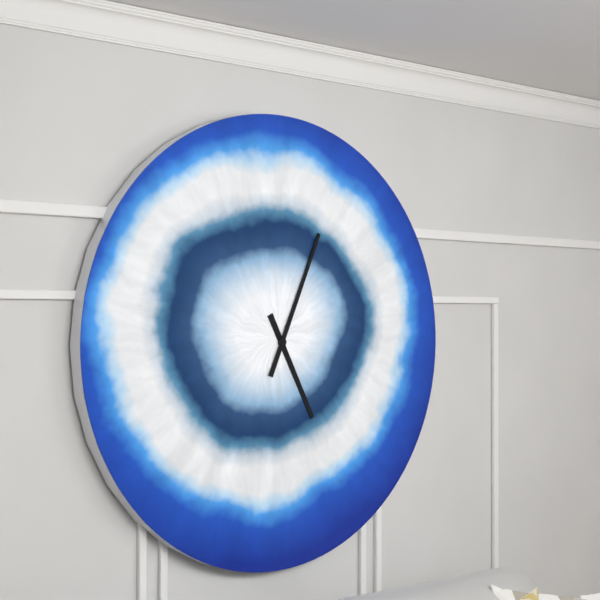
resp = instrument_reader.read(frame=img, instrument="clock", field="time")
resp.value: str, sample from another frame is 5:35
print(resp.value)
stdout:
5:04
